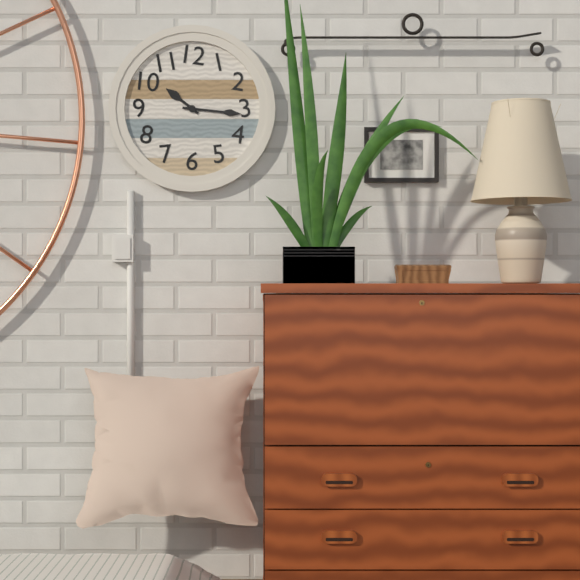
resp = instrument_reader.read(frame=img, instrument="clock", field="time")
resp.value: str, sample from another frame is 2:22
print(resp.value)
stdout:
10:16
